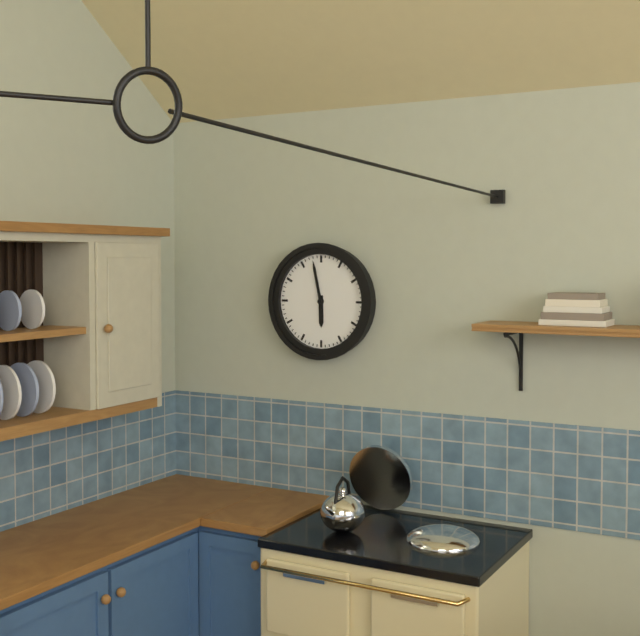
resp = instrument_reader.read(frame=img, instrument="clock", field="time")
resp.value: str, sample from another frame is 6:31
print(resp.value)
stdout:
5:58
